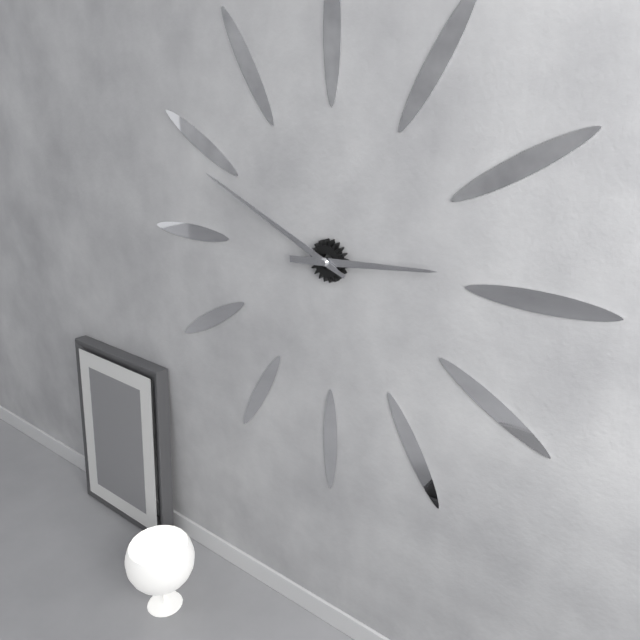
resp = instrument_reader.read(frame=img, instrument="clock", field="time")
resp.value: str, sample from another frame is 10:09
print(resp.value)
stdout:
2:49
